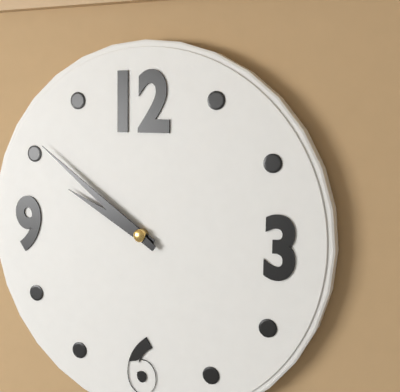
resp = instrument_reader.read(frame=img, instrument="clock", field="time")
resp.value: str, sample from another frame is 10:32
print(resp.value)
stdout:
9:51
